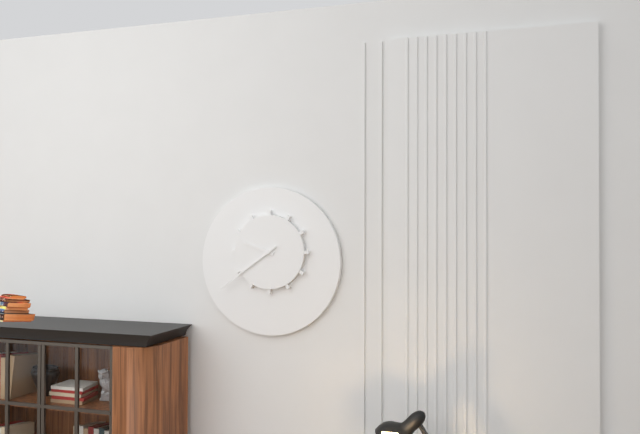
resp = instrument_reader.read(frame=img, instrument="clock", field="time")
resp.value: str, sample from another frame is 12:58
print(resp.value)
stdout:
9:39
